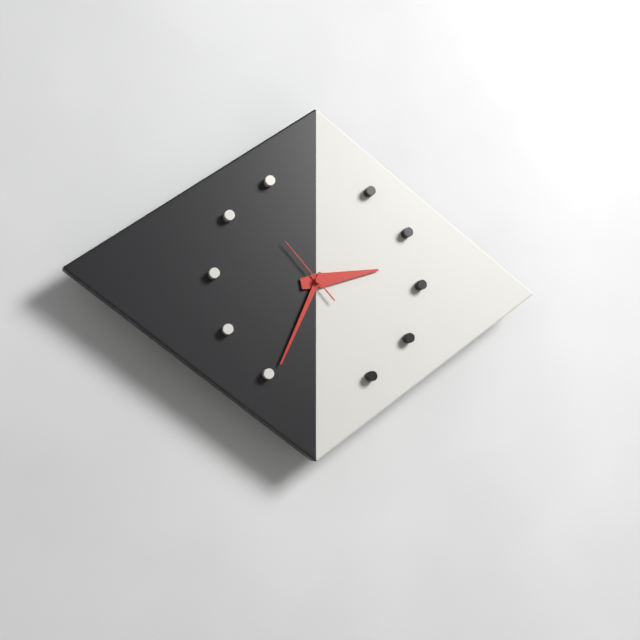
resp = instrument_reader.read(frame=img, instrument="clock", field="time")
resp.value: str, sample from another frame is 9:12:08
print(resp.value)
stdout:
2:34:53
